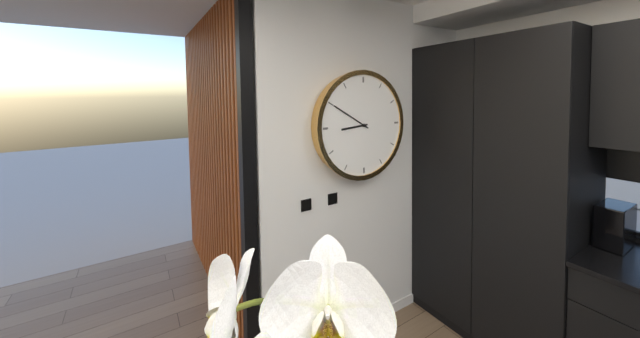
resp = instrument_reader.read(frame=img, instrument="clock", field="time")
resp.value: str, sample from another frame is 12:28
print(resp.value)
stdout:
8:50
